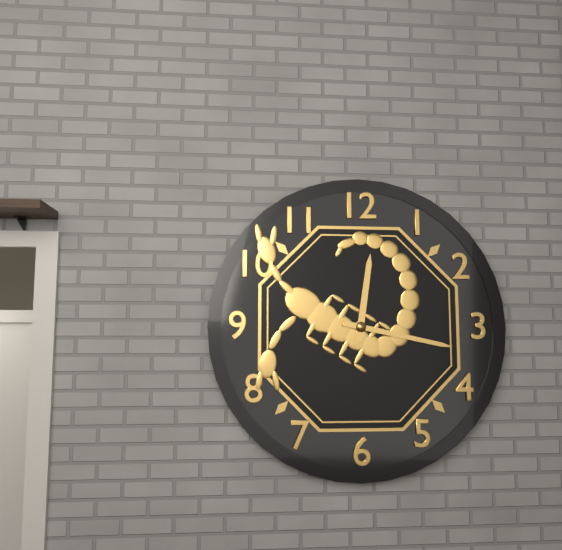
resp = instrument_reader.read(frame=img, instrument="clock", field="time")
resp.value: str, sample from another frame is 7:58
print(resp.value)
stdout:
12:17
